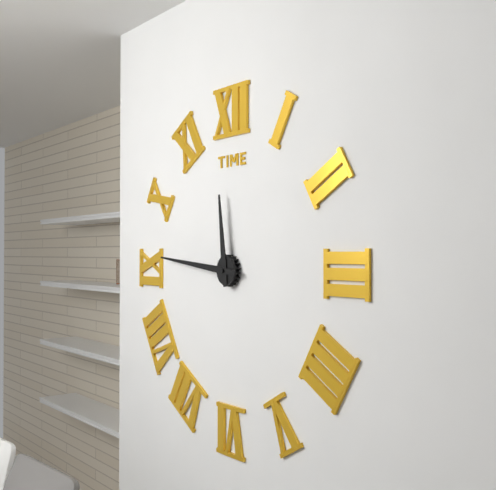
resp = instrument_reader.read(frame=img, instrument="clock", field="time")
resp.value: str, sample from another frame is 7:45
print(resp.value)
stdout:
11:46
